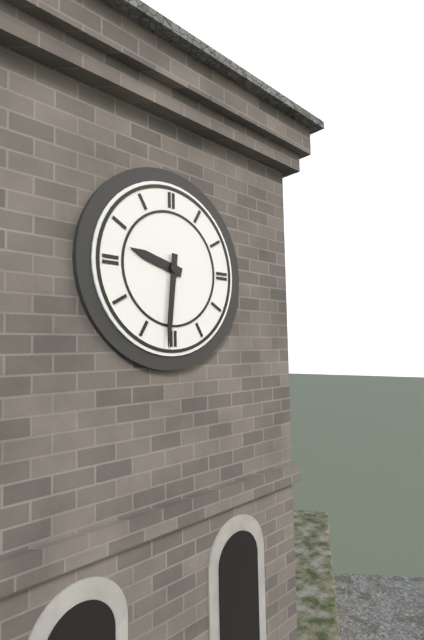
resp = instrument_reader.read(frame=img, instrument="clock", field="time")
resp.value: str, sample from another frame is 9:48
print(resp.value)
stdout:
9:31
